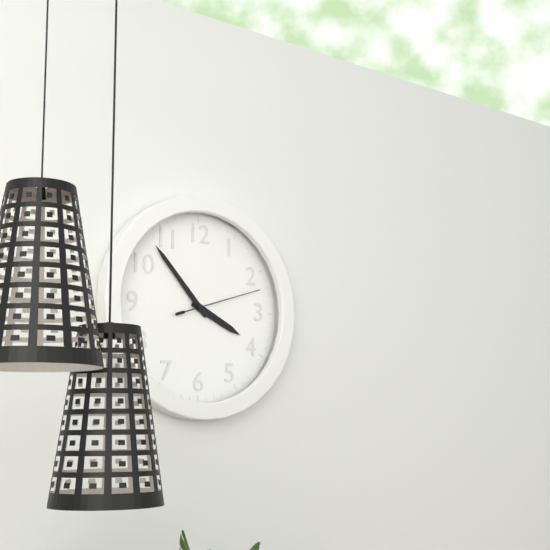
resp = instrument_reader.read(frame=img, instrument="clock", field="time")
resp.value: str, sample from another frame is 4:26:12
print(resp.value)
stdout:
3:53:12
